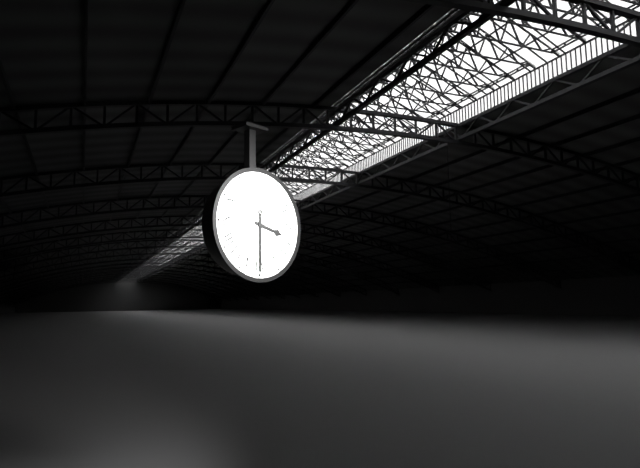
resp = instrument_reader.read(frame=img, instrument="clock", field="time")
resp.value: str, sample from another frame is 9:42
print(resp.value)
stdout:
3:30
